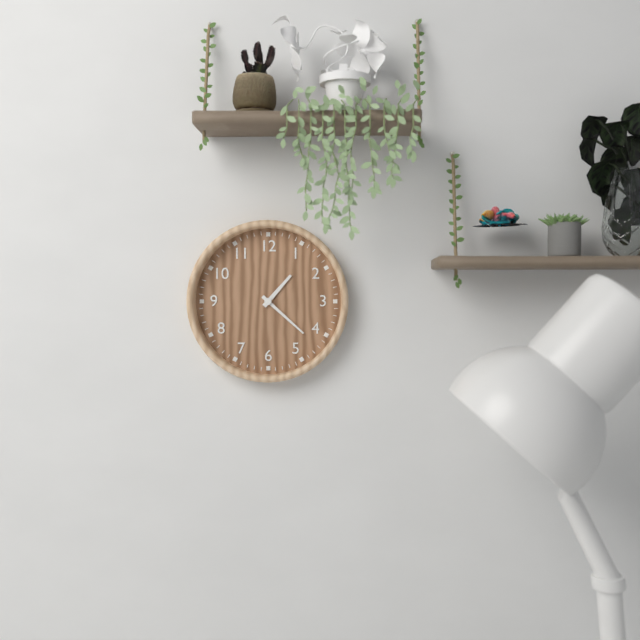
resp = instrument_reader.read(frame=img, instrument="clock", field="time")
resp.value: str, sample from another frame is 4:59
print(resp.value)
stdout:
1:22
